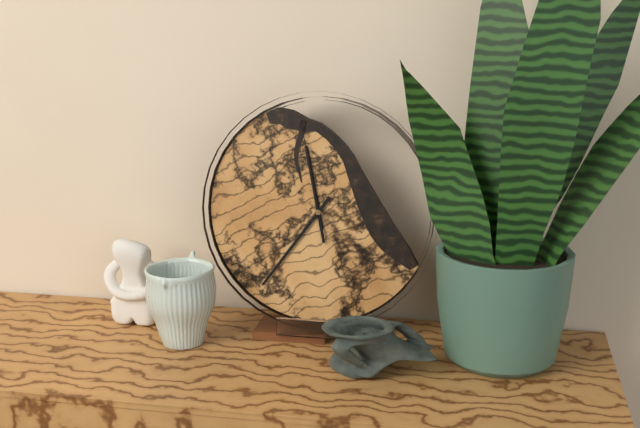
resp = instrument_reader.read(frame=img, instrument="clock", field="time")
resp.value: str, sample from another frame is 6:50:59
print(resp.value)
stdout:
11:36:58
